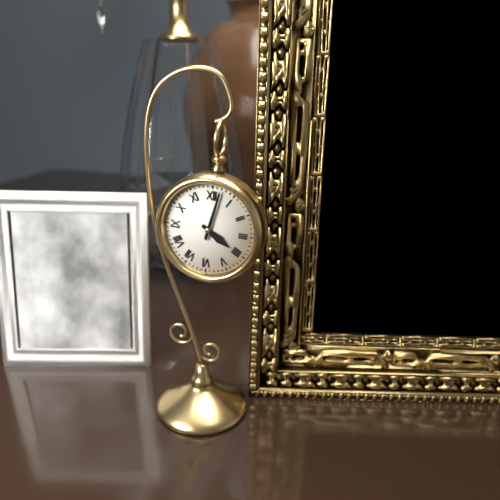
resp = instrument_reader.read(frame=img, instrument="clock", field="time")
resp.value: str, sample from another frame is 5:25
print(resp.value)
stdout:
4:02
